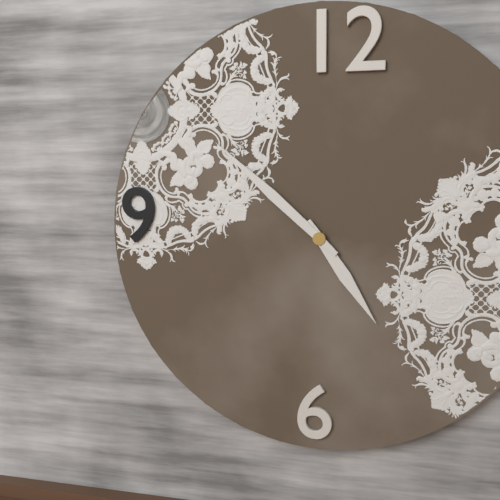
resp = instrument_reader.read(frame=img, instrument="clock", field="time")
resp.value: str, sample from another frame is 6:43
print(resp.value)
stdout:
4:52
